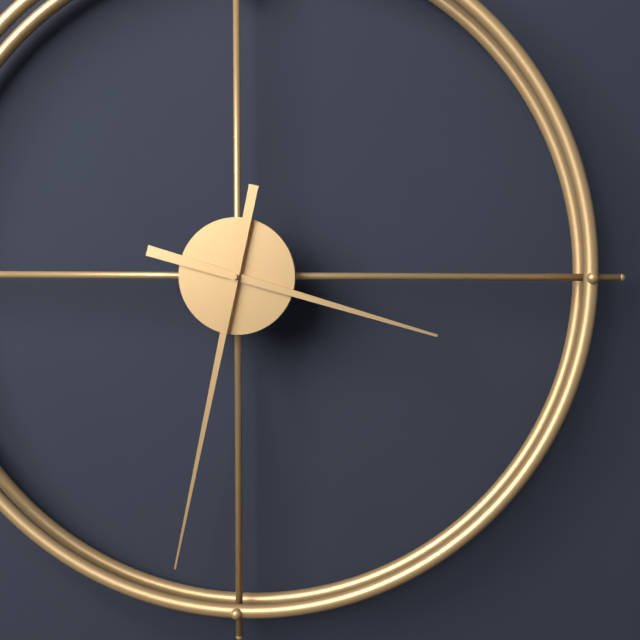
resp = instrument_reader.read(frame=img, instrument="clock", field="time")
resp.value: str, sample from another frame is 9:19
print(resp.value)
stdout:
3:32
